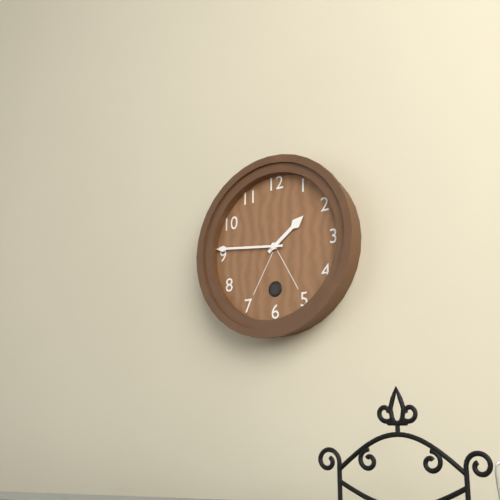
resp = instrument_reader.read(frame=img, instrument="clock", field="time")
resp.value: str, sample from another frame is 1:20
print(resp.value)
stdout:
1:46
